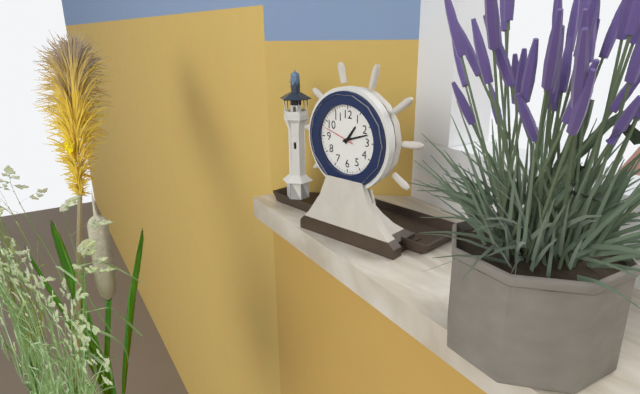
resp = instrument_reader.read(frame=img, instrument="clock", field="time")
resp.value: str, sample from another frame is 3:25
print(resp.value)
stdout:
1:12
